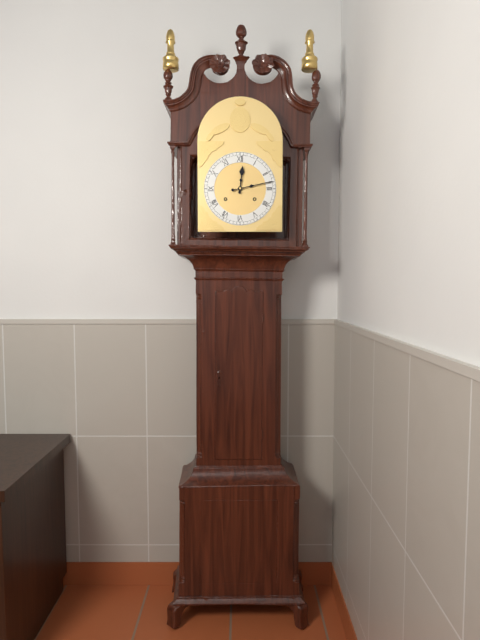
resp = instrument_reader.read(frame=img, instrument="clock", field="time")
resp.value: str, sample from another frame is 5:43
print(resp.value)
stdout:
12:13
